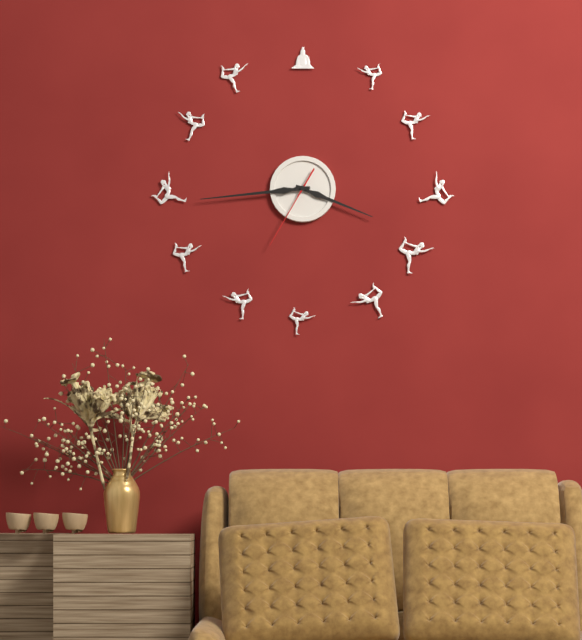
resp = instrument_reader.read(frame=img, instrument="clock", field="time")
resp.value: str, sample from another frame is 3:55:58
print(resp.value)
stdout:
3:44:35
